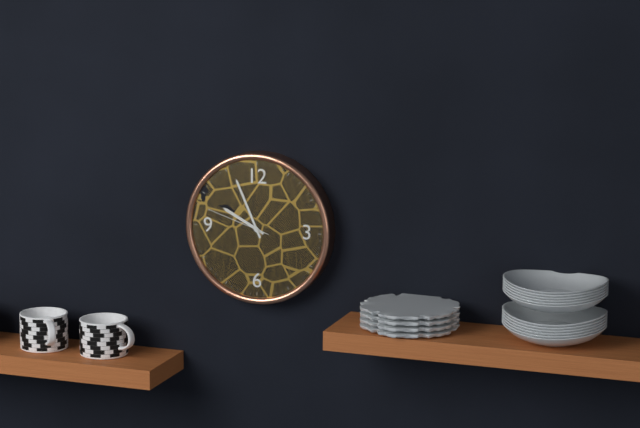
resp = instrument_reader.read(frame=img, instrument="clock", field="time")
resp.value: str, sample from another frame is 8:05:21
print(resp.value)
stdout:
9:56:48
